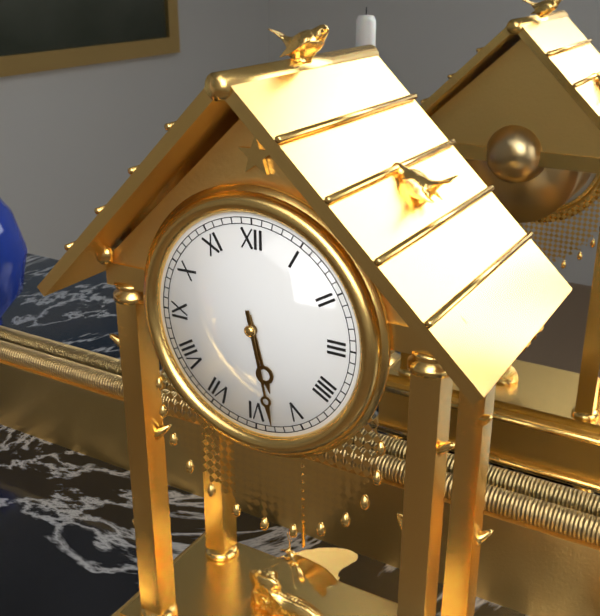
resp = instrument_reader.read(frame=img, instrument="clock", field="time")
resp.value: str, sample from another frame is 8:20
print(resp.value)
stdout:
5:28
